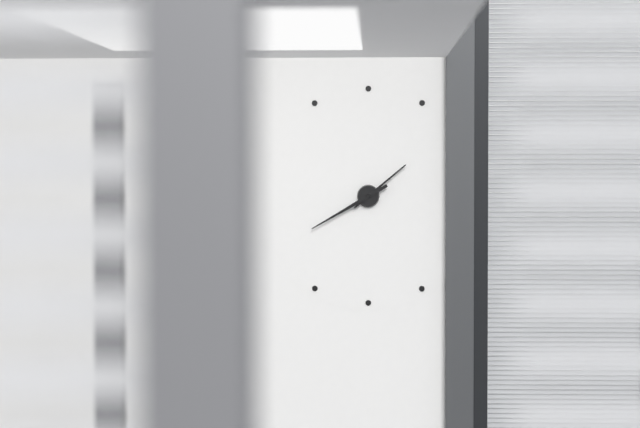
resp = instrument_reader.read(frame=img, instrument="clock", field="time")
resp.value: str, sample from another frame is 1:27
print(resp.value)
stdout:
1:40
